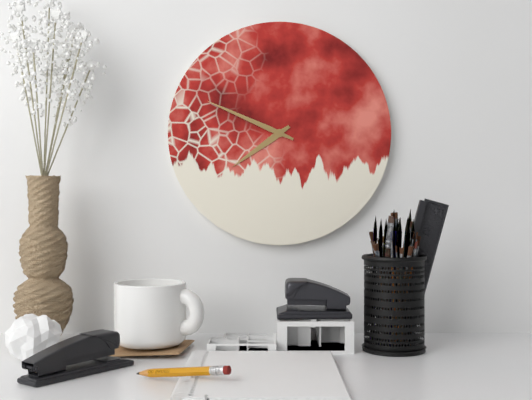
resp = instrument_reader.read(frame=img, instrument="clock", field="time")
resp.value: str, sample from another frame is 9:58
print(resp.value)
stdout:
7:49
